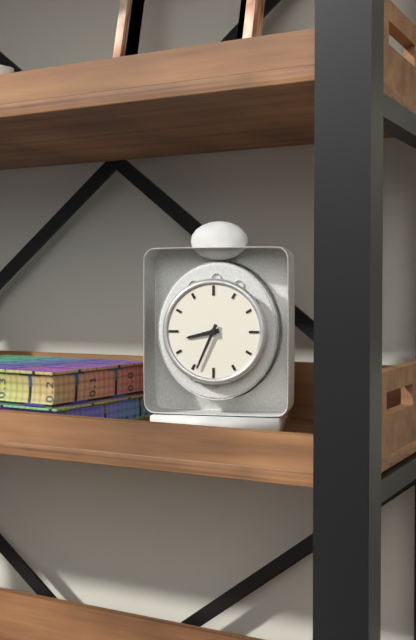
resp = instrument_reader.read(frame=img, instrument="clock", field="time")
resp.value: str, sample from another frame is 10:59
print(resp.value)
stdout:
8:34
